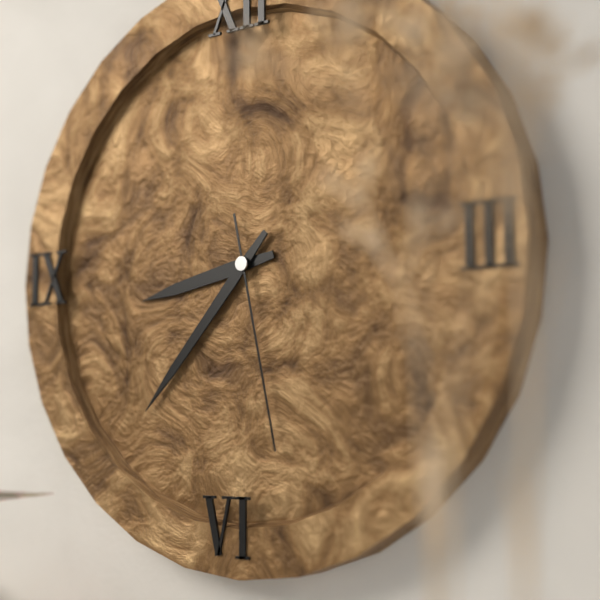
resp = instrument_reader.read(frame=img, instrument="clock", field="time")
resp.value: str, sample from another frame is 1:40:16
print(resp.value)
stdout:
8:37:28
